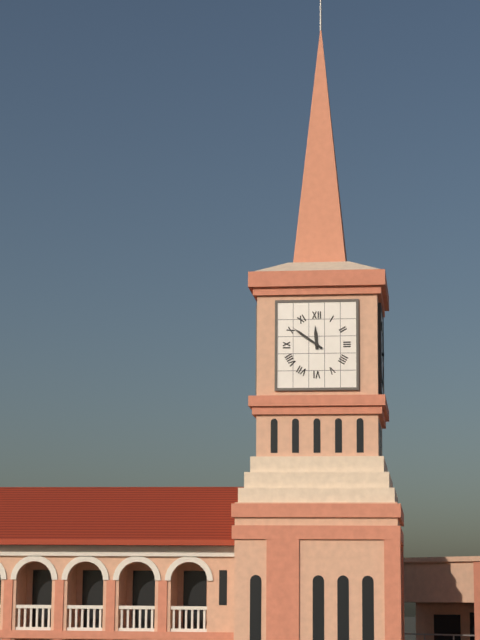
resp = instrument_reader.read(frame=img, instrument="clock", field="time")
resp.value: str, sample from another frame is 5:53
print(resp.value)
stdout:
11:51
